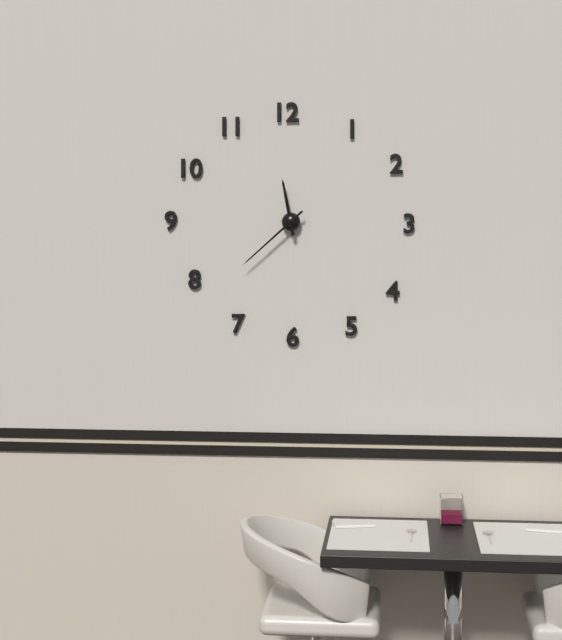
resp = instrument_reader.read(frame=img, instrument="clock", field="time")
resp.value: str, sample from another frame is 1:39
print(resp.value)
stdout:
11:38
